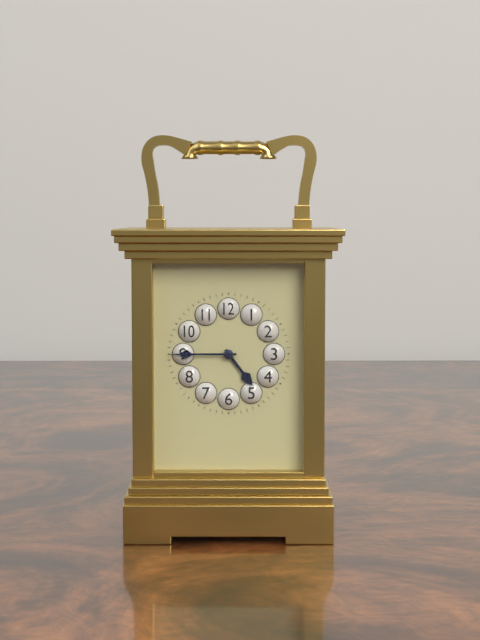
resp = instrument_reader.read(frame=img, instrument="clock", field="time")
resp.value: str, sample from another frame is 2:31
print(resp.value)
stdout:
4:45
